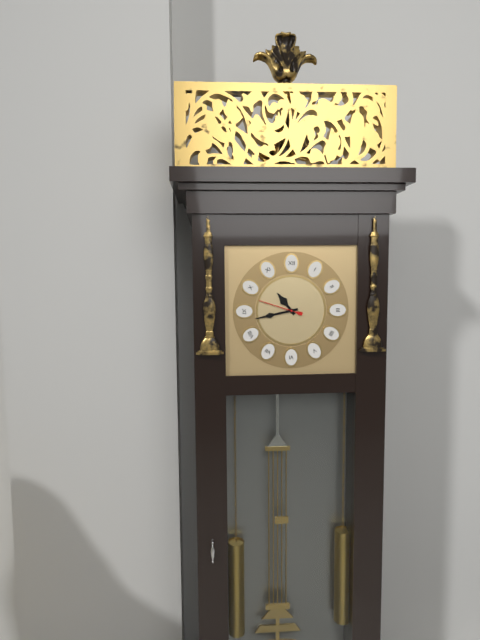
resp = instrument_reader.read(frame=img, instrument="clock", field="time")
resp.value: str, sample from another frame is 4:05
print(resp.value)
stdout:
10:43
